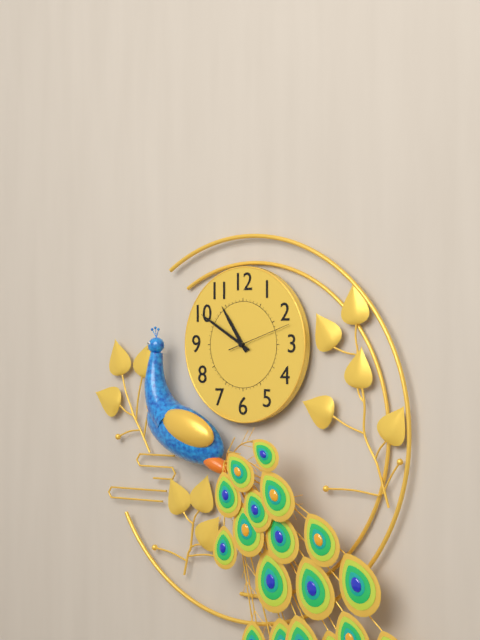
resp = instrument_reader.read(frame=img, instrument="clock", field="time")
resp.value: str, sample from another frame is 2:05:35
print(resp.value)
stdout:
10:50:12
